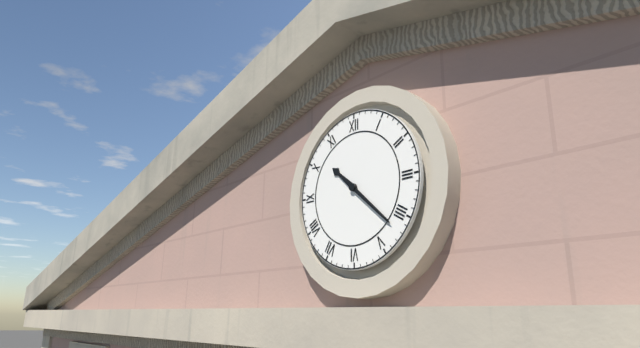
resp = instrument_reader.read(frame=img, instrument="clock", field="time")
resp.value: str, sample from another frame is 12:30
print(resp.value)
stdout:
10:22
